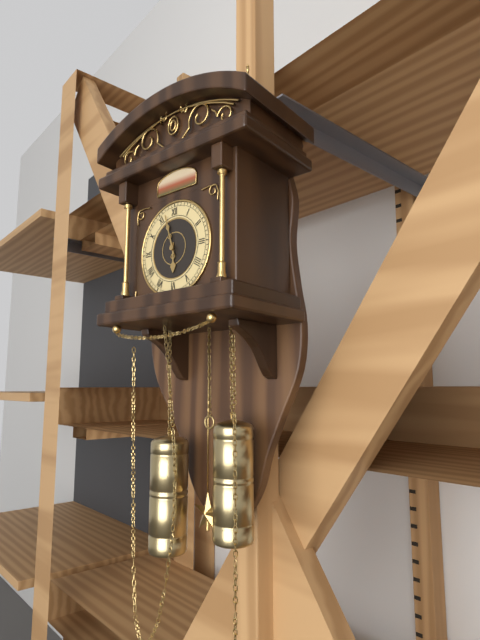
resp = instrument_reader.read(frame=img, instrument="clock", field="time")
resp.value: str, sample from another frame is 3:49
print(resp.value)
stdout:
5:57
